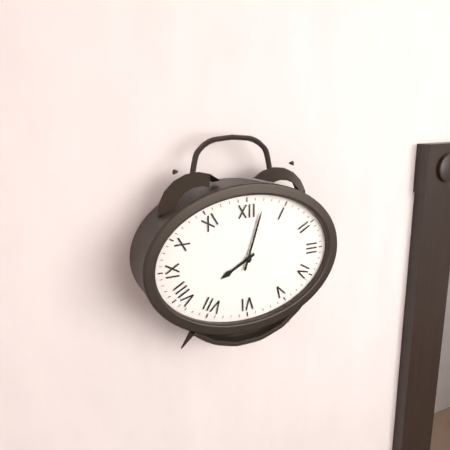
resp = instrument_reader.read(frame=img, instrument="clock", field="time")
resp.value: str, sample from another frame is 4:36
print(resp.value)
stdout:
8:03
